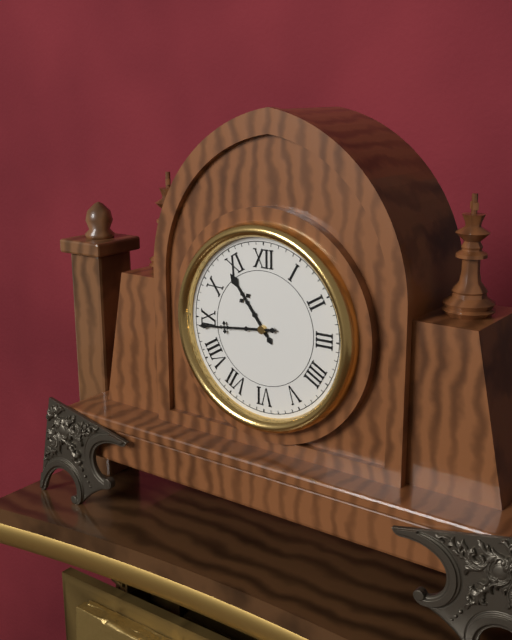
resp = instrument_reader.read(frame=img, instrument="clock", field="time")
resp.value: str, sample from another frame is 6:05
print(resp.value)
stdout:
10:44
